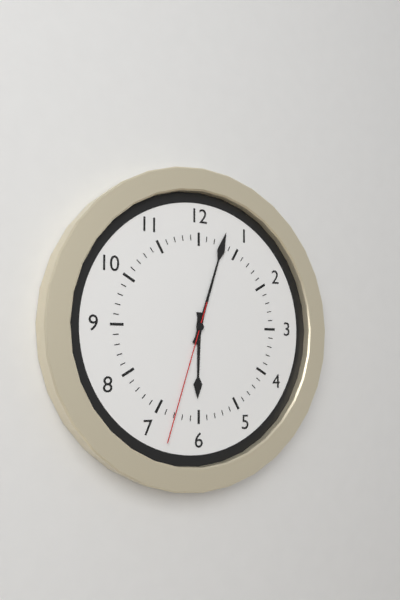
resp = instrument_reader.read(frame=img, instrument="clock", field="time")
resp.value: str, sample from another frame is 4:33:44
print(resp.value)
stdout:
6:03:33
